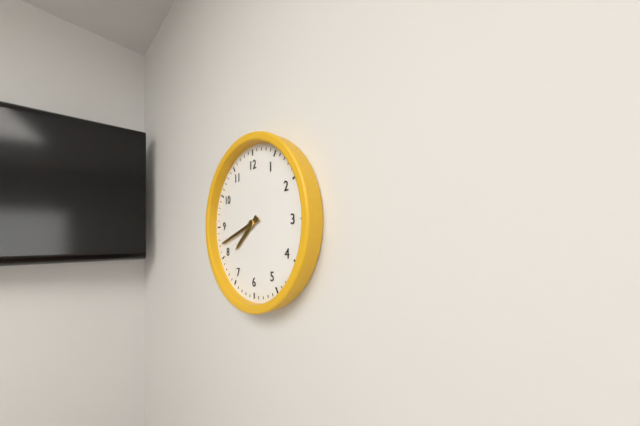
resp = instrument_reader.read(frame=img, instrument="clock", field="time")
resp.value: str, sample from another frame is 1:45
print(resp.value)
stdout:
7:42
